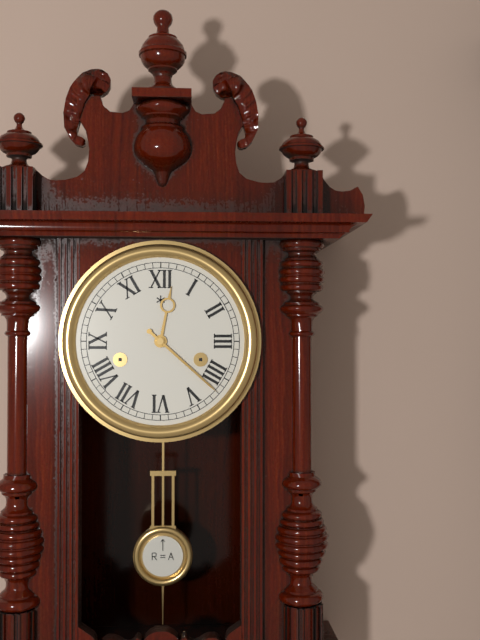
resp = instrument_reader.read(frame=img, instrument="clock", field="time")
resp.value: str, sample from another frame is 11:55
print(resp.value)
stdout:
12:22
